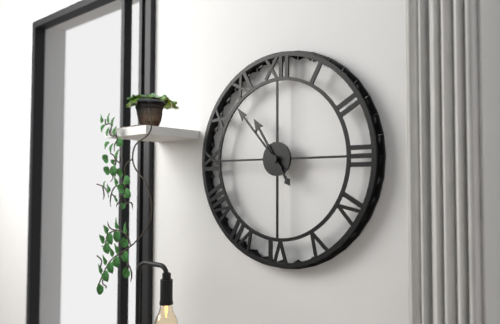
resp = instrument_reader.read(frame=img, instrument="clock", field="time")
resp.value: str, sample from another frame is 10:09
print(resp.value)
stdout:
10:53
